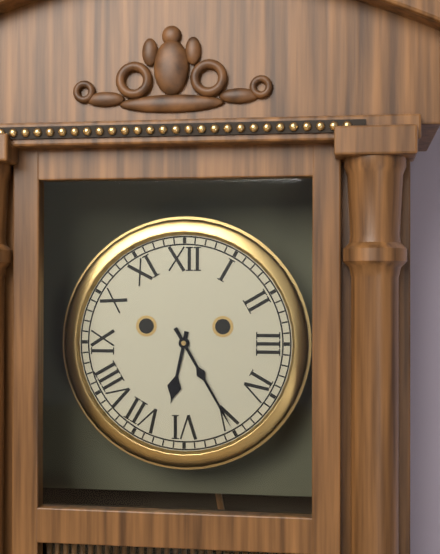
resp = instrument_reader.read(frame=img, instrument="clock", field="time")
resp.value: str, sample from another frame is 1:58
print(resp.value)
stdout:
6:25
